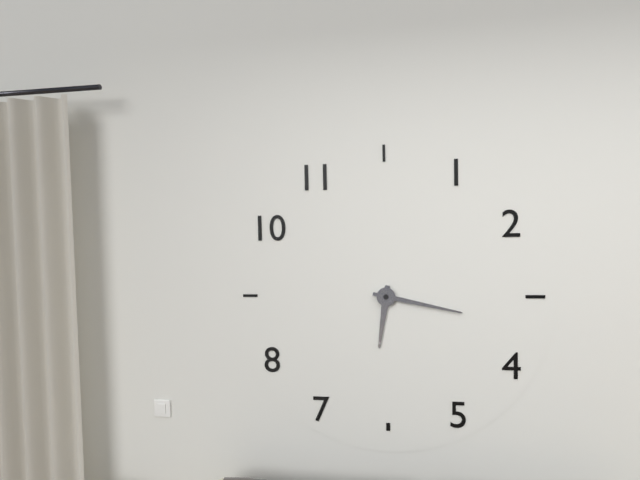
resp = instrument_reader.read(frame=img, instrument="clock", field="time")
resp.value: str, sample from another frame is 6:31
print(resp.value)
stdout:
6:17
